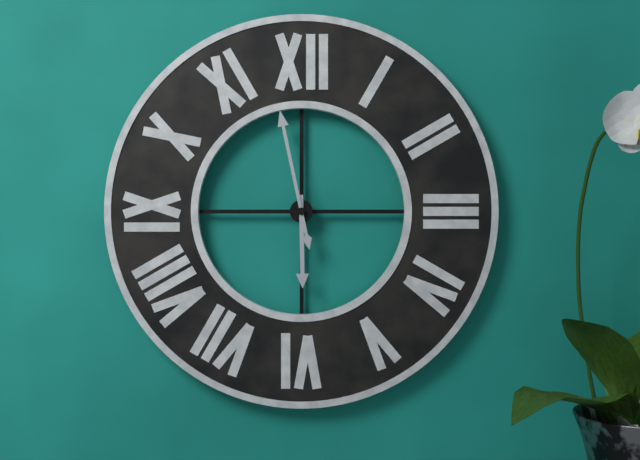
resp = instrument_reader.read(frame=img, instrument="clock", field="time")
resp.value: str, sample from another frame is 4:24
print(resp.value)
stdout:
5:58
